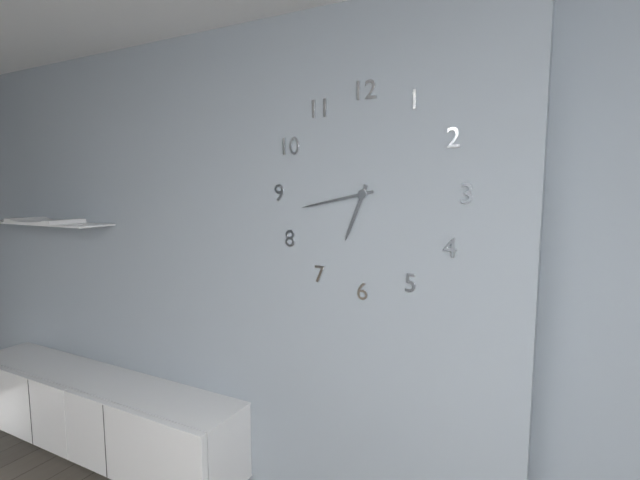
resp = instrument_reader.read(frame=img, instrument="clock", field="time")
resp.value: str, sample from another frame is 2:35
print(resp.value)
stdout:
6:43
